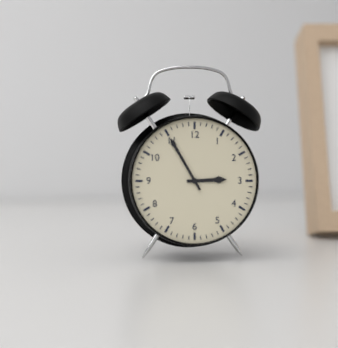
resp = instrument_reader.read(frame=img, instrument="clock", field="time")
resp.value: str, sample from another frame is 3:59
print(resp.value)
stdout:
2:55
